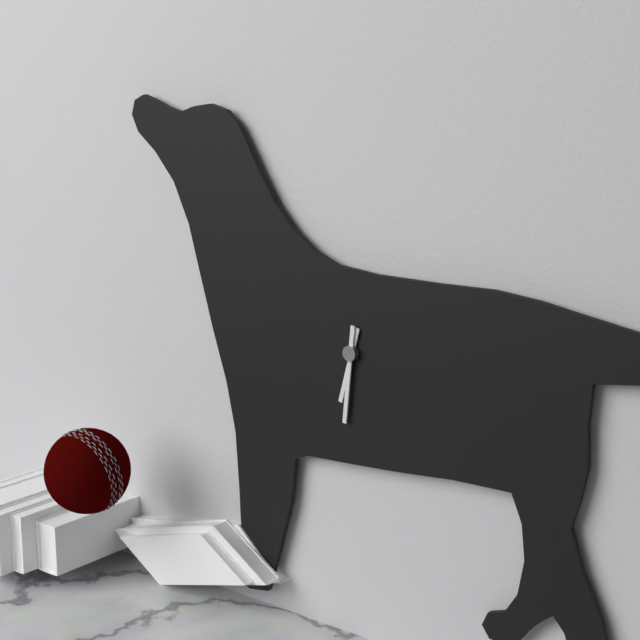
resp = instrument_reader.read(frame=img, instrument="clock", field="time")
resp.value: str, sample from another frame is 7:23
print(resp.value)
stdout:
6:31
